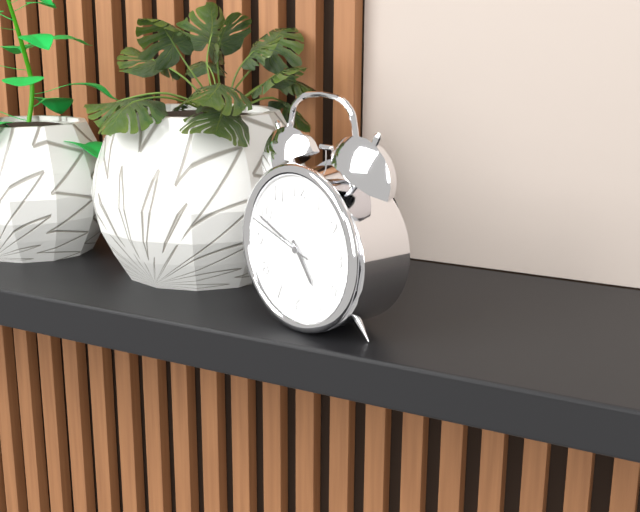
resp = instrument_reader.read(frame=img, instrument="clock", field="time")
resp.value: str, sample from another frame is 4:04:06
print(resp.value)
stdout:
4:49:48
